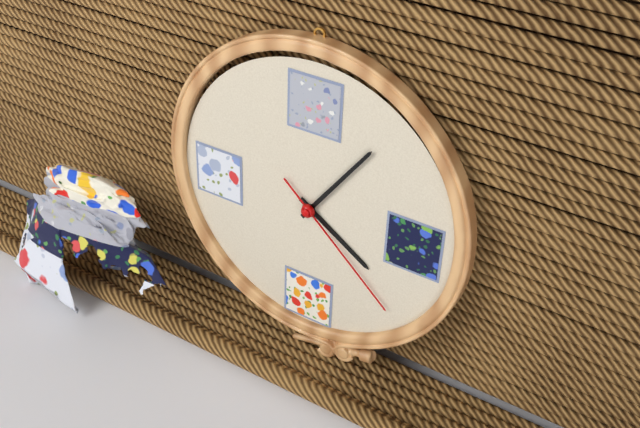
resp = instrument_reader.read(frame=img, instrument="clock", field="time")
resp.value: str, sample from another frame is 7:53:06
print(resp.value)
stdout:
4:06:22
